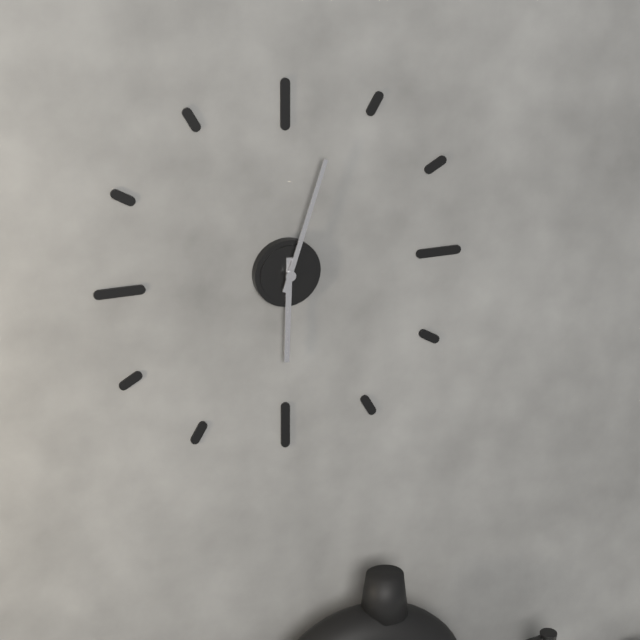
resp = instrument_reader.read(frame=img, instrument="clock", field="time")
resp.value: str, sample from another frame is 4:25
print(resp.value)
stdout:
6:03
